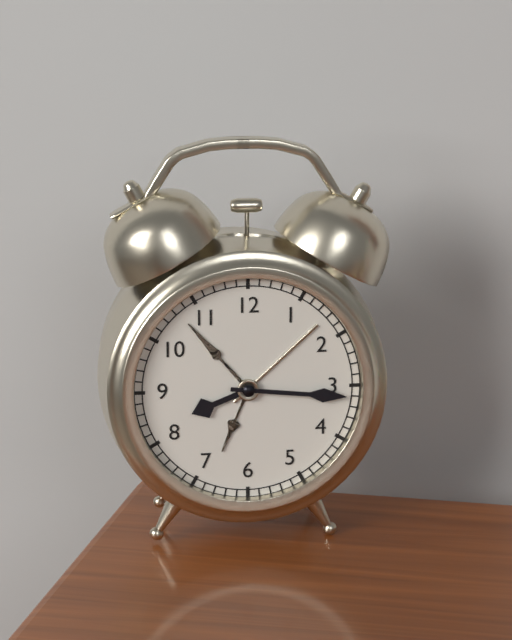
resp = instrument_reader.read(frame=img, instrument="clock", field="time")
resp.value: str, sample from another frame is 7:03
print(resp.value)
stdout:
8:16
